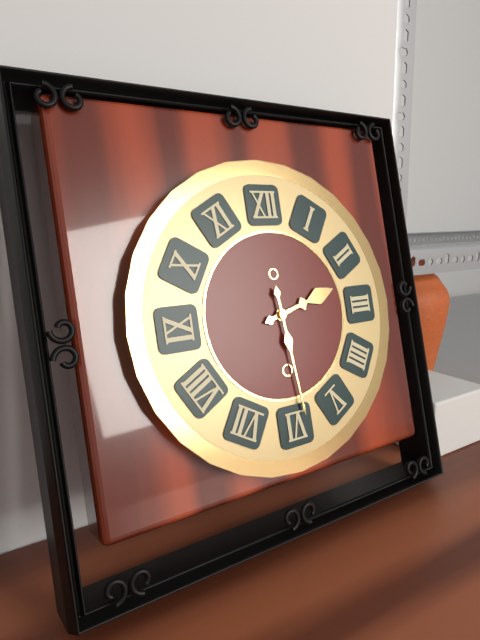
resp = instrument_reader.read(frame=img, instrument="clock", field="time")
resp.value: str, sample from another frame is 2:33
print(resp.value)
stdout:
2:29
